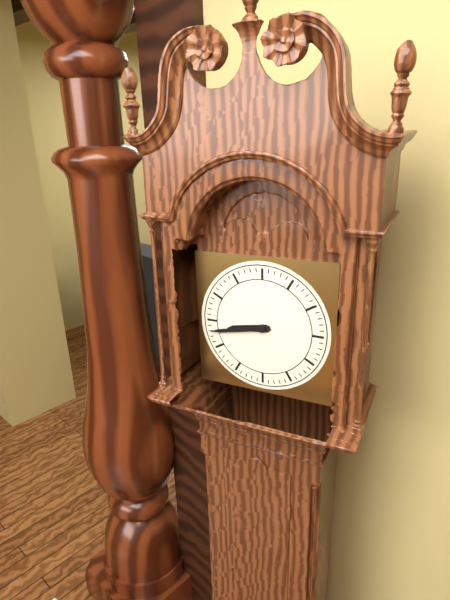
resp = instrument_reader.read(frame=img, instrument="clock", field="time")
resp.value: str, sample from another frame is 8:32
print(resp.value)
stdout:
8:43
